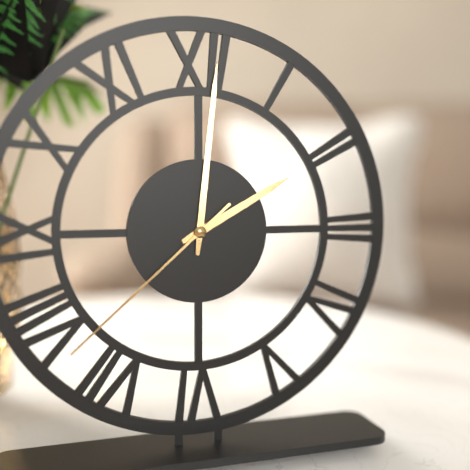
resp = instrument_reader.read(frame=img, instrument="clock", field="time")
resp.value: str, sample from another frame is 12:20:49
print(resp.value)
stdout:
2:01:38
